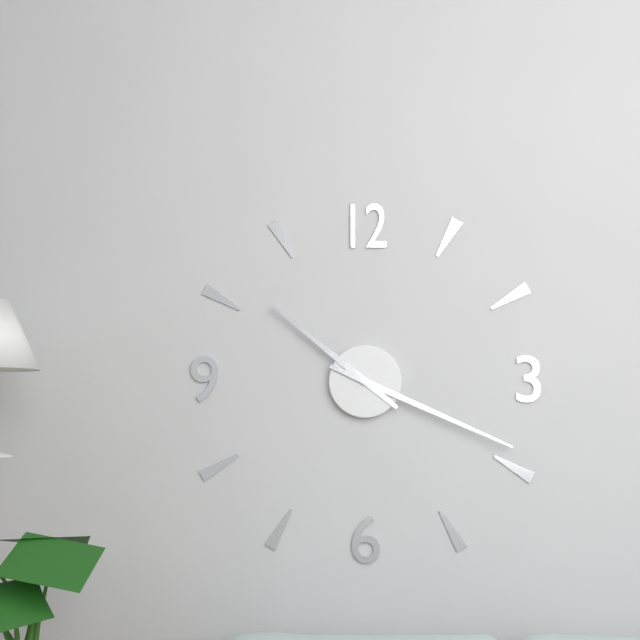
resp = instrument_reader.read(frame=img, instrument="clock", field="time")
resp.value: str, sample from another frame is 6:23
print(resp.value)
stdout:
10:19
